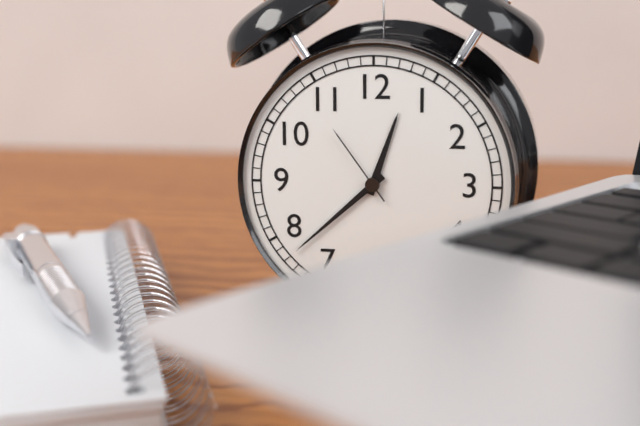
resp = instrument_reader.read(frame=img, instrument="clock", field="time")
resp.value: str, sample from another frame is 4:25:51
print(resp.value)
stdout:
12:38:54
